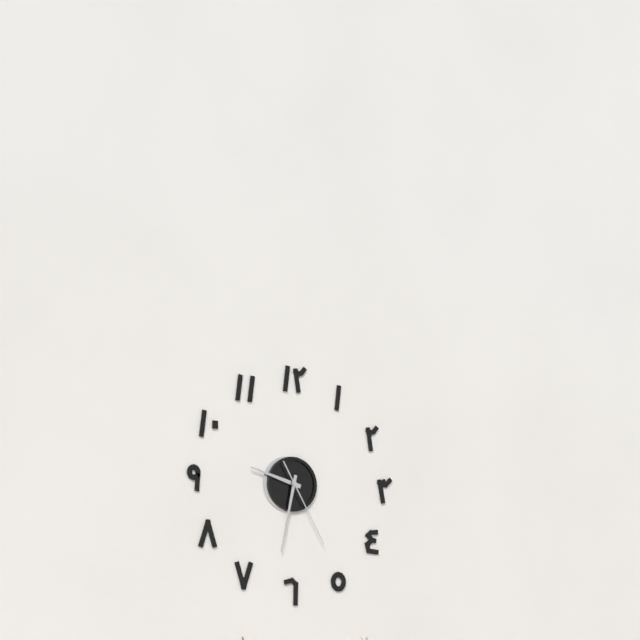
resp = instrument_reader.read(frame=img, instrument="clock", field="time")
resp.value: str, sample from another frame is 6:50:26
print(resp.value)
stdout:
9:32:25
